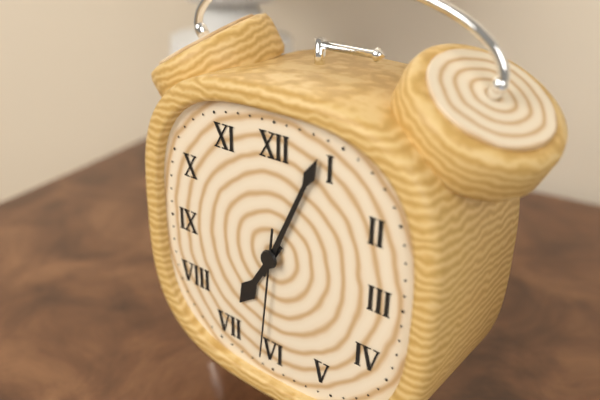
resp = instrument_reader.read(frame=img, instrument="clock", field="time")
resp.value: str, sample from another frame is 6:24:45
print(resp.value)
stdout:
7:04:31
